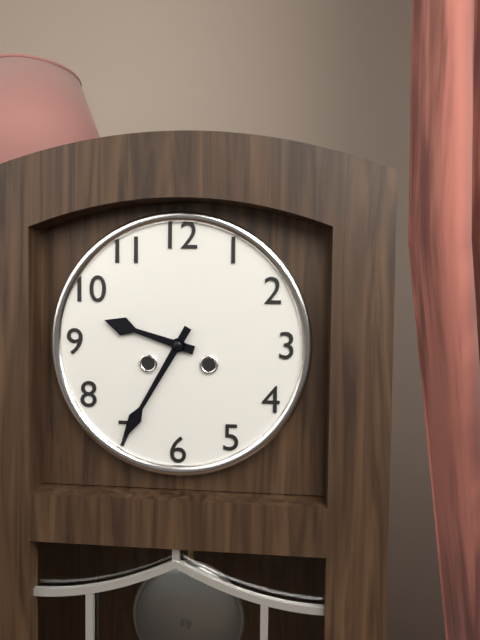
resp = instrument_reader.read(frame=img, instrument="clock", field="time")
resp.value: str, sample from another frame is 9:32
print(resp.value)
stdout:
9:35
